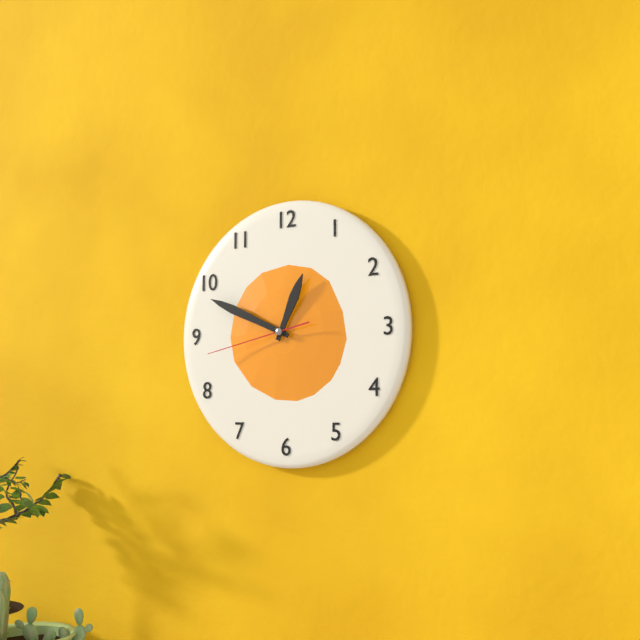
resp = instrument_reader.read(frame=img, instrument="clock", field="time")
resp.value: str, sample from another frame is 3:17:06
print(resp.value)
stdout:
12:49:43
